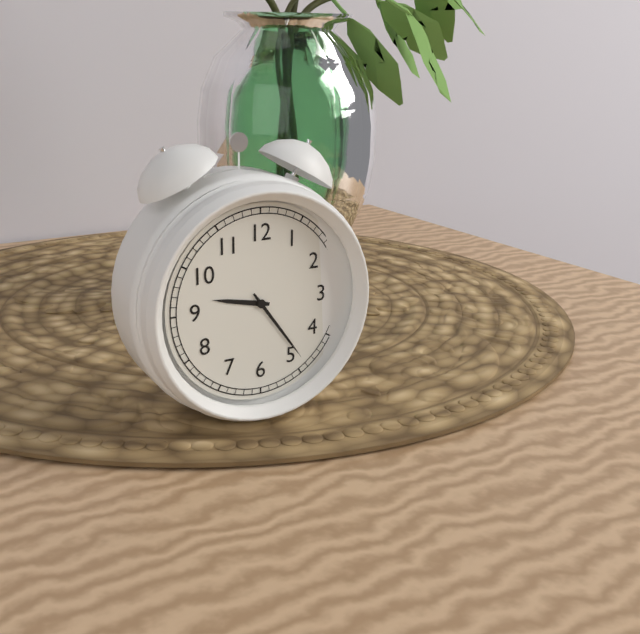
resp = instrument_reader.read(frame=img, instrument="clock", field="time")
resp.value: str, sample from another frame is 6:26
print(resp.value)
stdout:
9:24
